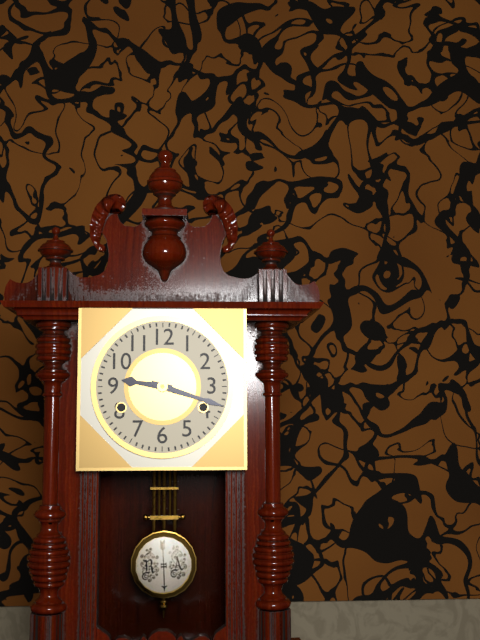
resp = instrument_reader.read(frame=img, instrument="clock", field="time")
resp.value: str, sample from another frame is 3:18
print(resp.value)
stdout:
9:18
